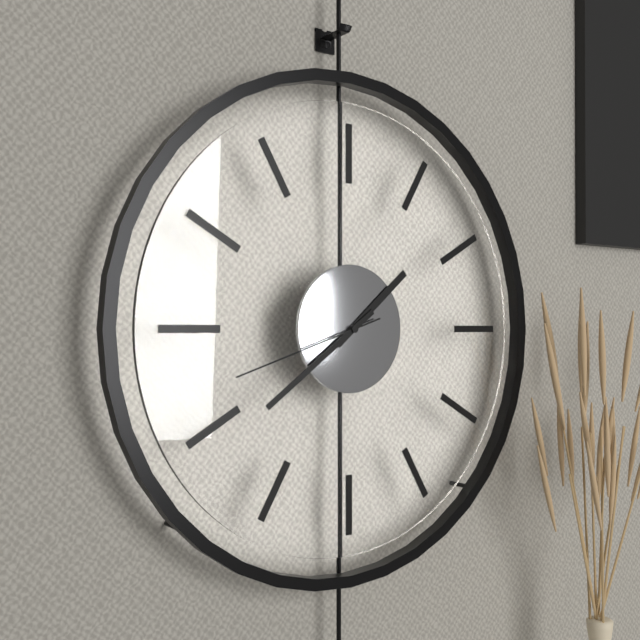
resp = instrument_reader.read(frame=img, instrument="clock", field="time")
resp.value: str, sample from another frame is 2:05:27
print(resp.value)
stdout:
1:39:42
